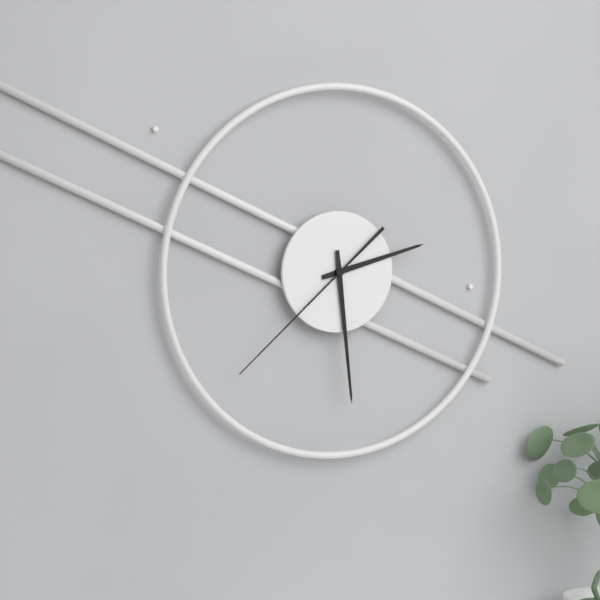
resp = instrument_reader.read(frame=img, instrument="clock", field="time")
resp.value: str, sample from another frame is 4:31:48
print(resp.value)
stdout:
2:29:38
